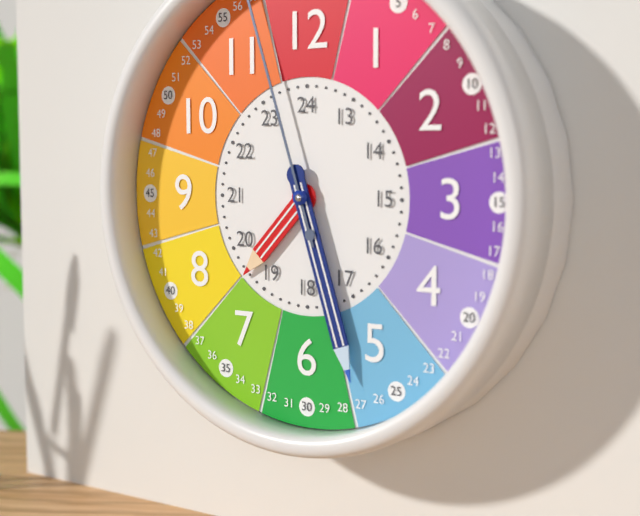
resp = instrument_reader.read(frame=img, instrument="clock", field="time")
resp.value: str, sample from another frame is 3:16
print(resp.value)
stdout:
7:27
